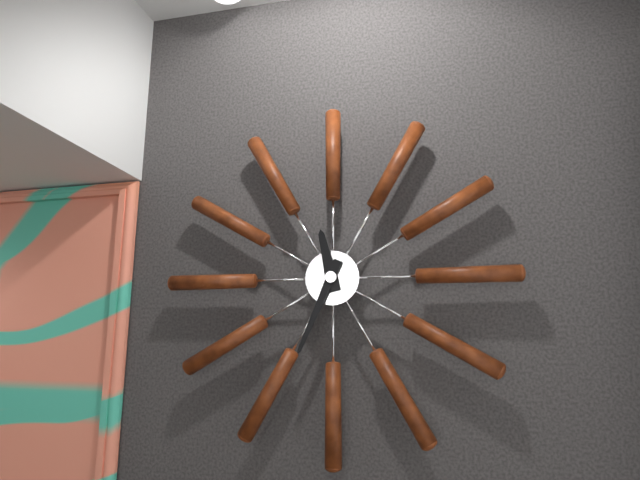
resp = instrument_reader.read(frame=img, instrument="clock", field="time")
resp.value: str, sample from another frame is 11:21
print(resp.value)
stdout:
11:34
